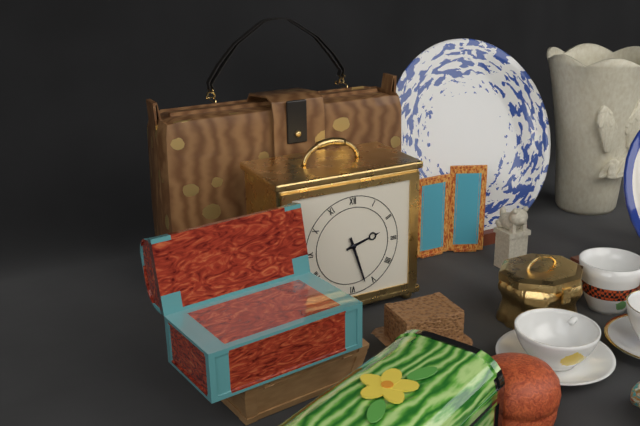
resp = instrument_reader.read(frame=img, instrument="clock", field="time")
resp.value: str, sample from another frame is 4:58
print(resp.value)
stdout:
2:27
